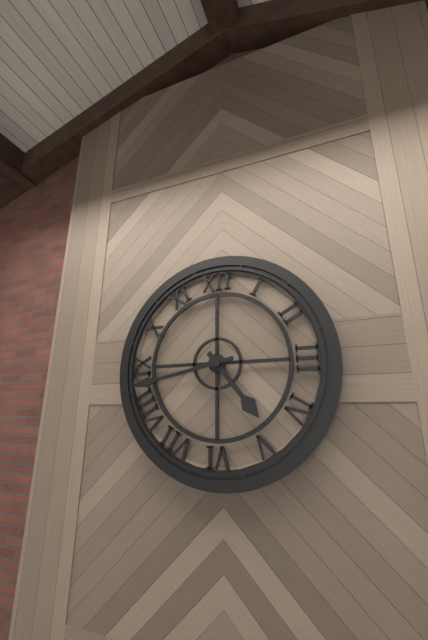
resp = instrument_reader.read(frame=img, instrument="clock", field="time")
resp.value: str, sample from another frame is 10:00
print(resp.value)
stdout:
4:43
